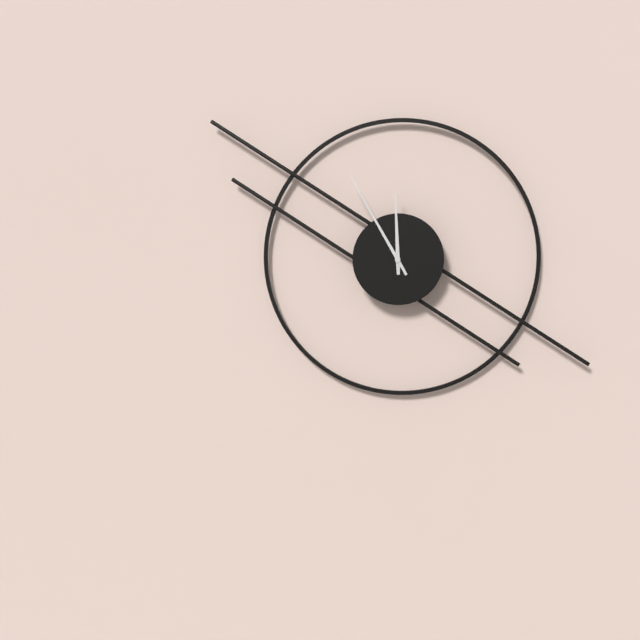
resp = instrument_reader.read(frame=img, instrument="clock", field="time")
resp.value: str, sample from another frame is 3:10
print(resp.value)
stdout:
11:55
